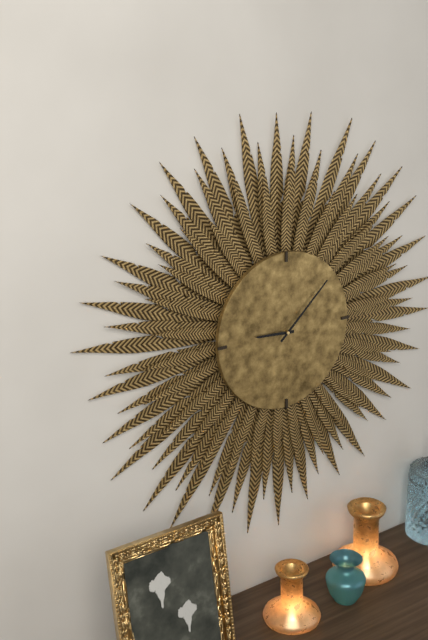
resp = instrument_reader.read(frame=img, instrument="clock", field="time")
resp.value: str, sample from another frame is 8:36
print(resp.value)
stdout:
9:08
